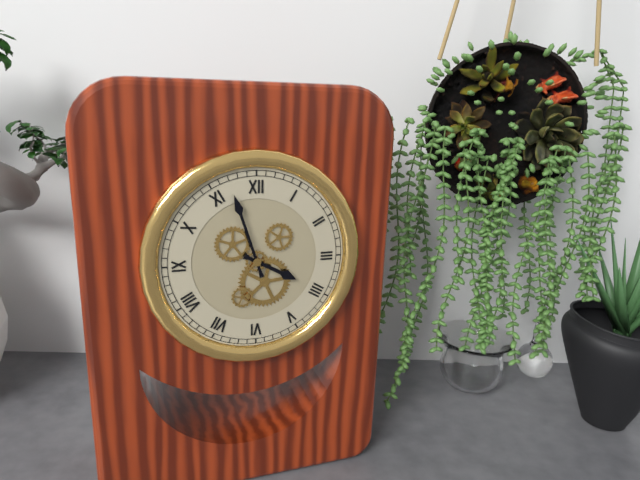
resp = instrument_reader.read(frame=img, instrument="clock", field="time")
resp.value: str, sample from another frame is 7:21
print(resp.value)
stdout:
3:57
